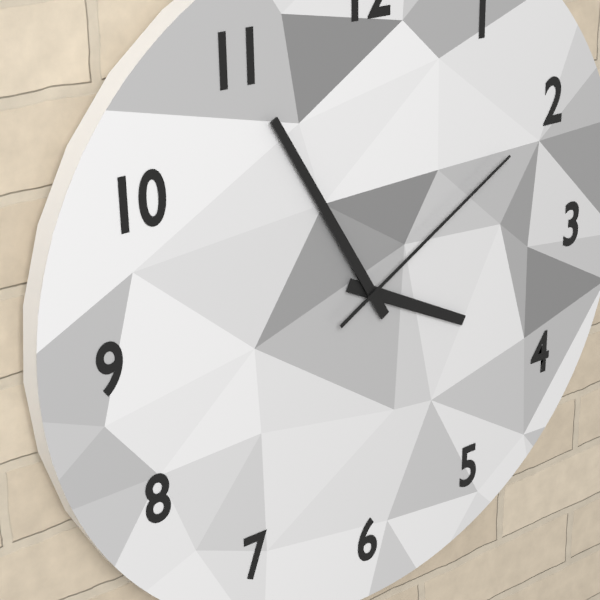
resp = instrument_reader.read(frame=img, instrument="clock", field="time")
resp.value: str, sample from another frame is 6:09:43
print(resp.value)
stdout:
3:55:10
